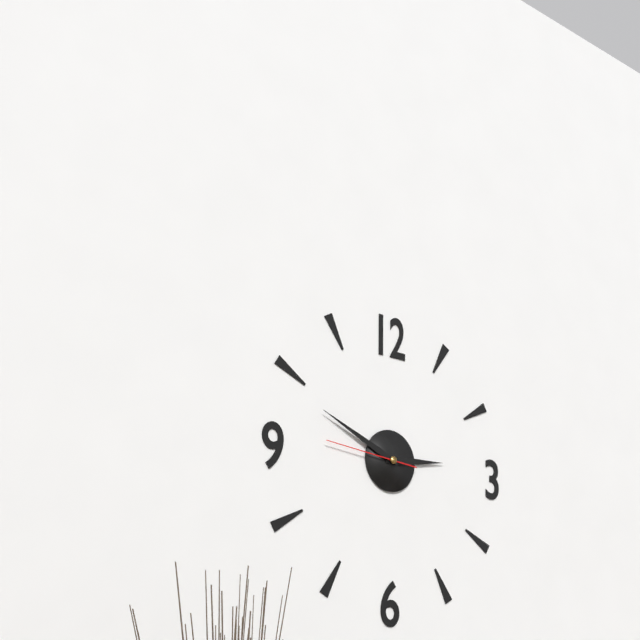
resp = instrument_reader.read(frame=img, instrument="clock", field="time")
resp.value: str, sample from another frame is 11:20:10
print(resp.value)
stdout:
2:49:46
